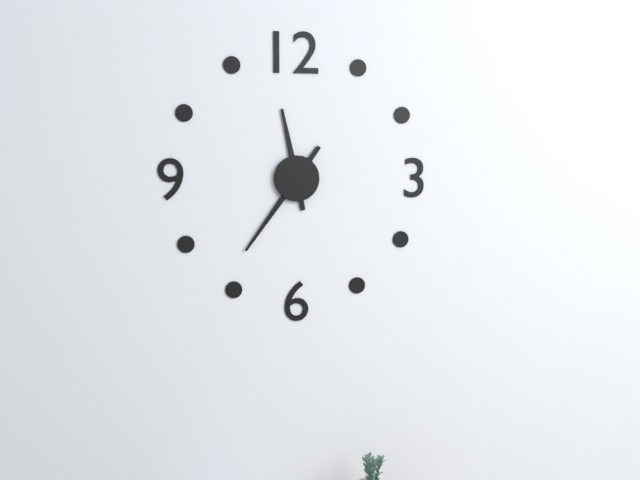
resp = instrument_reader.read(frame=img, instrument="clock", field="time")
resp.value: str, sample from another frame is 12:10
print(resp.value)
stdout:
11:36
